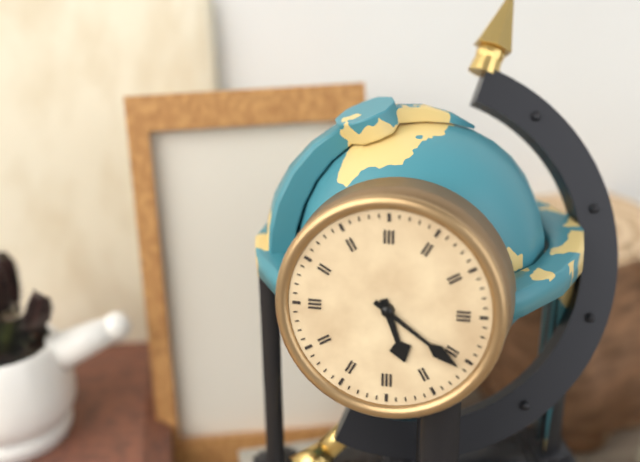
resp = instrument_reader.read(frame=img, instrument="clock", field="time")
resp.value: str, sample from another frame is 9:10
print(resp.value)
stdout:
5:21
